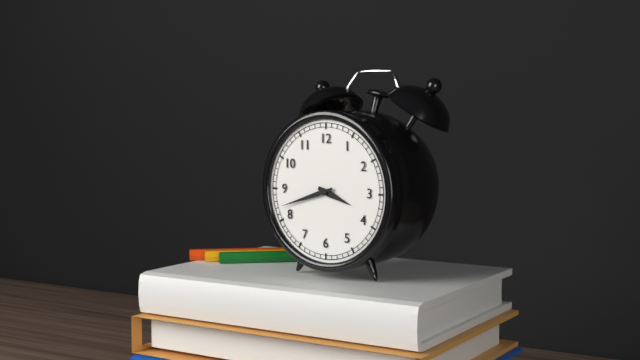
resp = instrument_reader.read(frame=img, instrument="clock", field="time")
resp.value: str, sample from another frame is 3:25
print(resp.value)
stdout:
3:42
